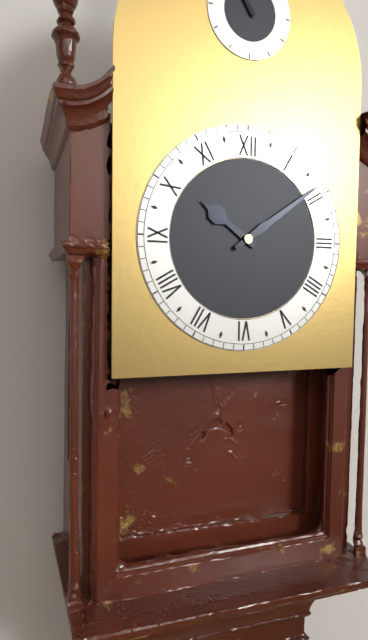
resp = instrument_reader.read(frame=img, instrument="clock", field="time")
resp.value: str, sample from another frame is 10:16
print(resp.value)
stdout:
10:09
